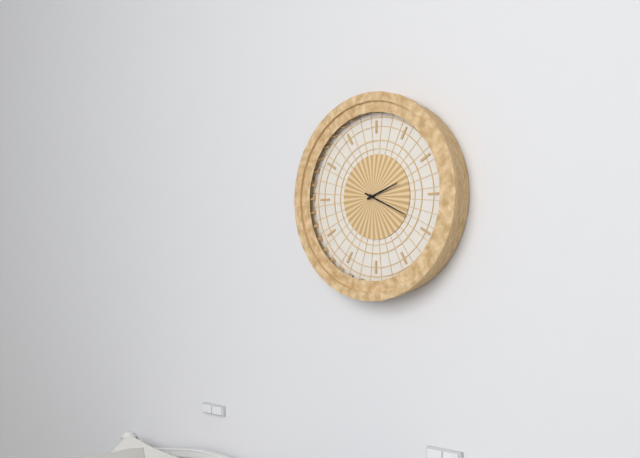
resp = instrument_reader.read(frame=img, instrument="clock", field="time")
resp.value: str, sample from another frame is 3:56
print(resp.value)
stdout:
2:19
